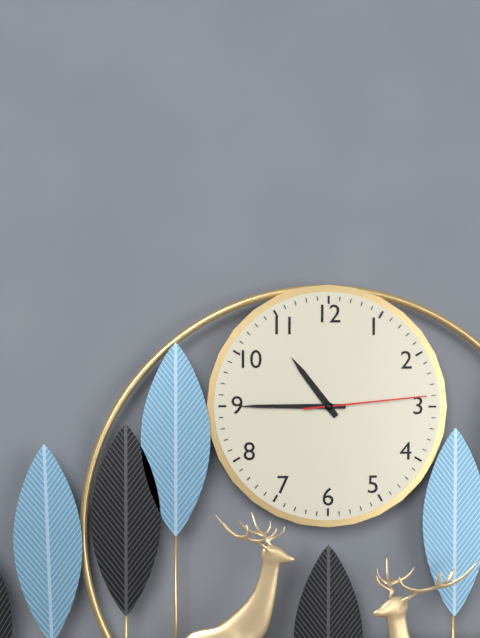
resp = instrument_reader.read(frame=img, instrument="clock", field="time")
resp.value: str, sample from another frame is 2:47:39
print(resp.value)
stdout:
10:45:14
